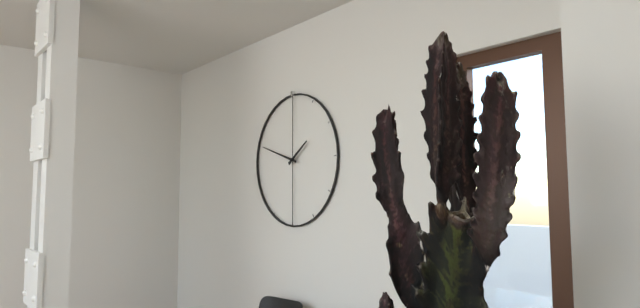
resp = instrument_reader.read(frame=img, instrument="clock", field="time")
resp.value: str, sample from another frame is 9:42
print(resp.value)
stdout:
1:48
